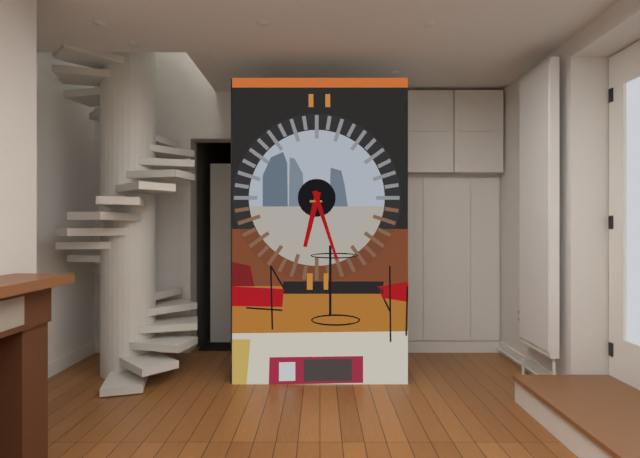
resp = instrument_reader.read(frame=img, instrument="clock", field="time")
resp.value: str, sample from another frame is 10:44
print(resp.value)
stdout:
6:27
